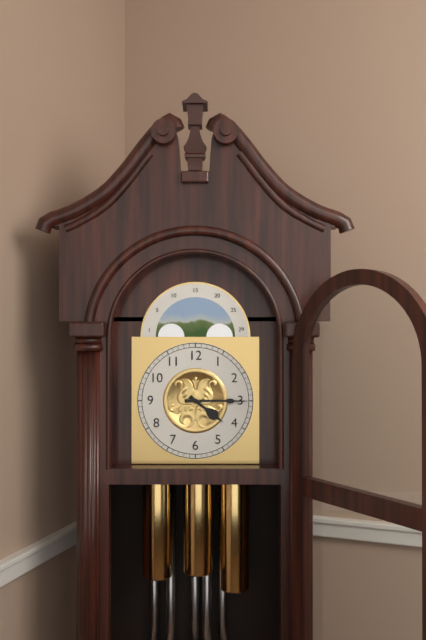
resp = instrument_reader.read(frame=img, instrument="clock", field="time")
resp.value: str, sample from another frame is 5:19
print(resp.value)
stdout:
4:15
